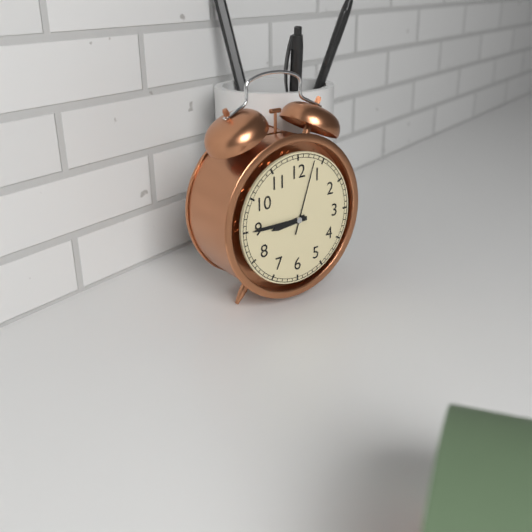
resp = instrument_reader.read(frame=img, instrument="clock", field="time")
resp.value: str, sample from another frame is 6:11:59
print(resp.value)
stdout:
8:45:03
